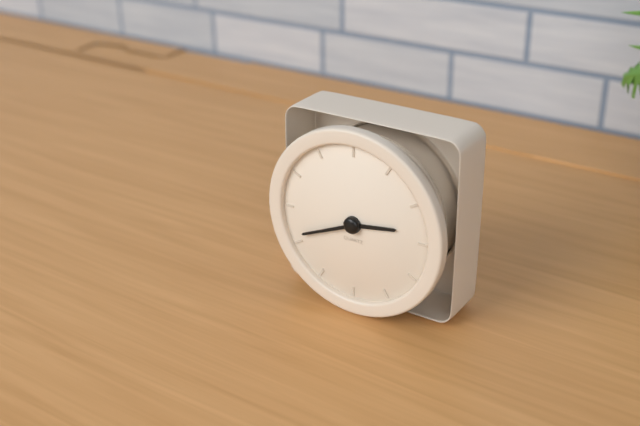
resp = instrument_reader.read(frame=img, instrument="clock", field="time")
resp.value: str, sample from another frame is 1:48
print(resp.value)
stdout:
2:41
